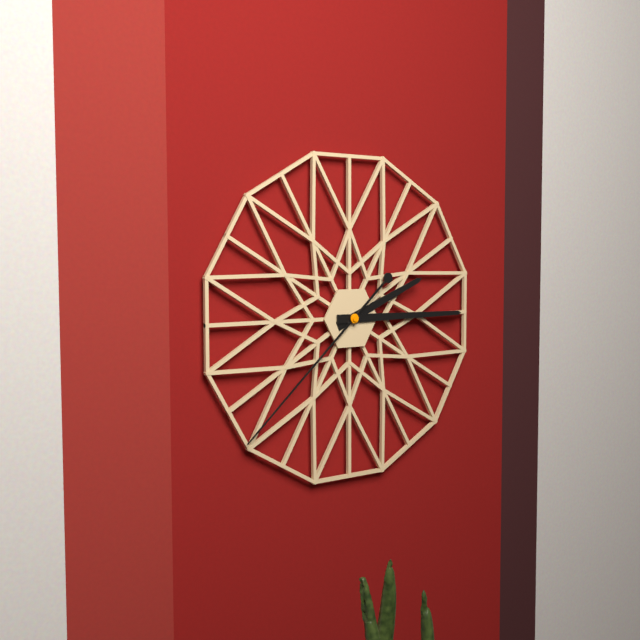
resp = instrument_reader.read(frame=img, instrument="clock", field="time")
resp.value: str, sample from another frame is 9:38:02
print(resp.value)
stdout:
2:15:38
